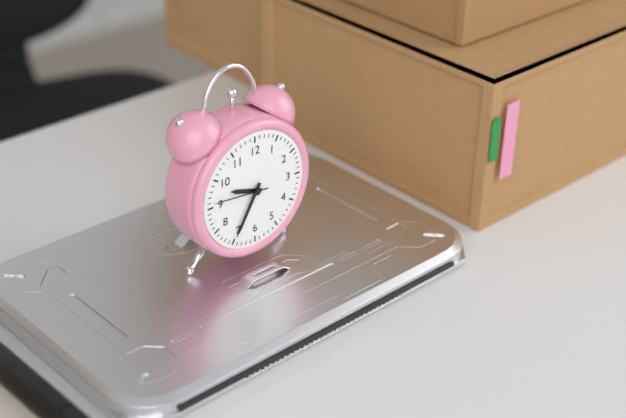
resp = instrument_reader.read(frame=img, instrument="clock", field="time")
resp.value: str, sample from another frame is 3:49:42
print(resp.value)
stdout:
9:35:46
